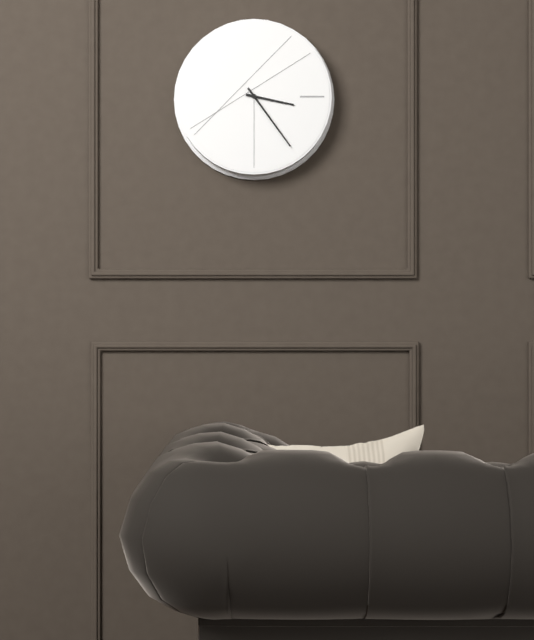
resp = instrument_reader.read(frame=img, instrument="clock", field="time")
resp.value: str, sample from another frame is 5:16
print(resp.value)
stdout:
3:24
